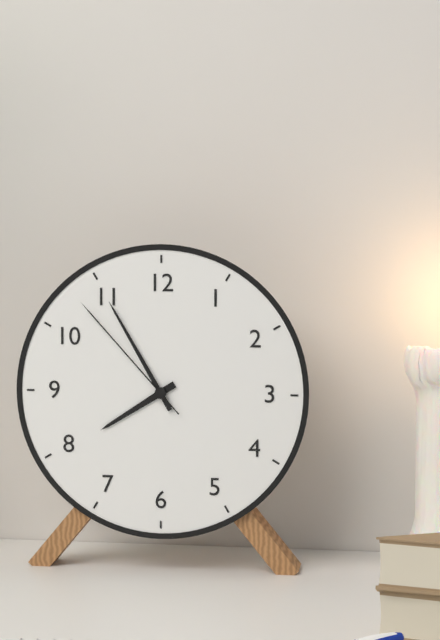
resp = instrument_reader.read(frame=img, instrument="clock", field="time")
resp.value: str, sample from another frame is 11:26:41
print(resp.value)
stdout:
7:55:53
